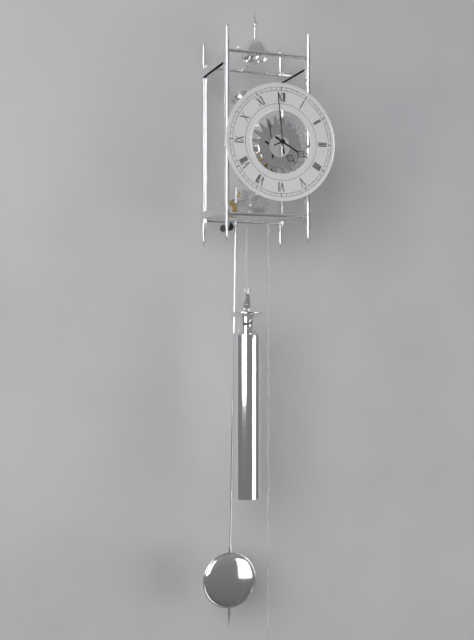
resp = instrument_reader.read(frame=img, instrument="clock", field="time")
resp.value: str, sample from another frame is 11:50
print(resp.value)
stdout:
3:59
